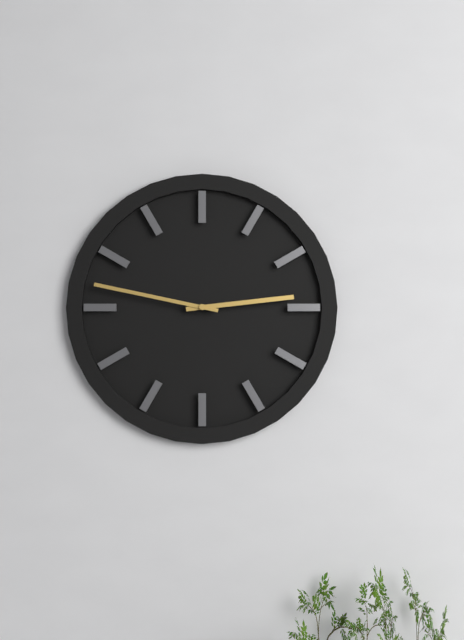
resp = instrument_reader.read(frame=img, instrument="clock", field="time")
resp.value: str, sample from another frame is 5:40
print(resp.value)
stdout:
2:47
